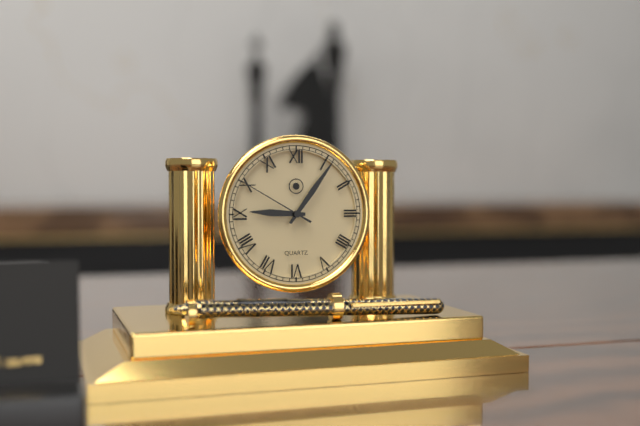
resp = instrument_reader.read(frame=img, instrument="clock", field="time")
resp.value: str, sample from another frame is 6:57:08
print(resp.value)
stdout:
9:06:50
